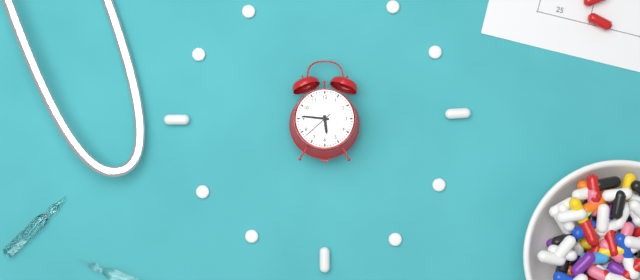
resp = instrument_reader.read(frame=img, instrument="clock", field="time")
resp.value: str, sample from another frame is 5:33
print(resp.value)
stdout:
5:46
